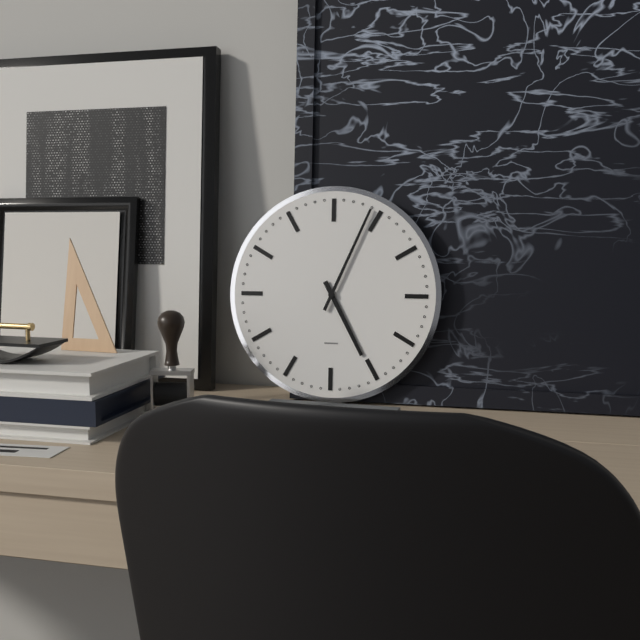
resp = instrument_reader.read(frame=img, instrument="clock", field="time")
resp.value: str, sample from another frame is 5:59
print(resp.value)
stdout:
5:04
